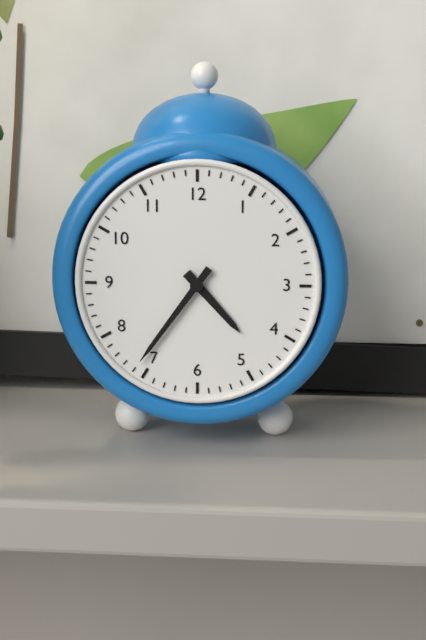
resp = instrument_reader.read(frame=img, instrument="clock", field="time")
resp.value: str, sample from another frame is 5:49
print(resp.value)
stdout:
4:36
